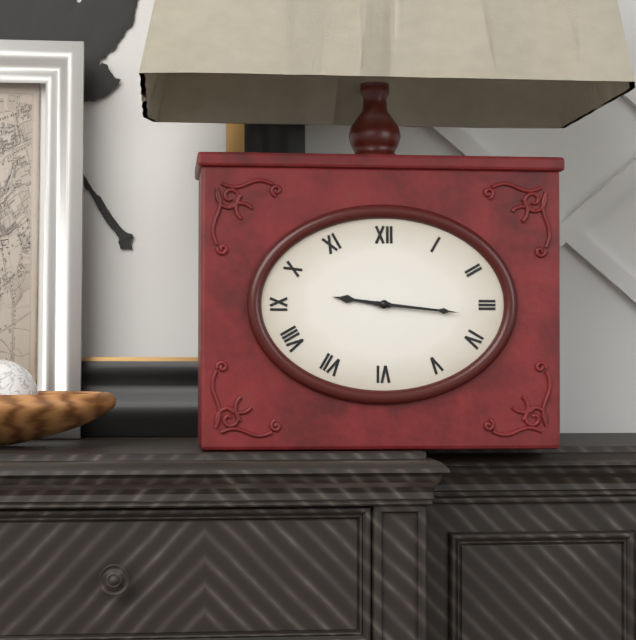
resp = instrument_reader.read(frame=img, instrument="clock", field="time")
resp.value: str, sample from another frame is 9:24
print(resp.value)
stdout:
9:16
